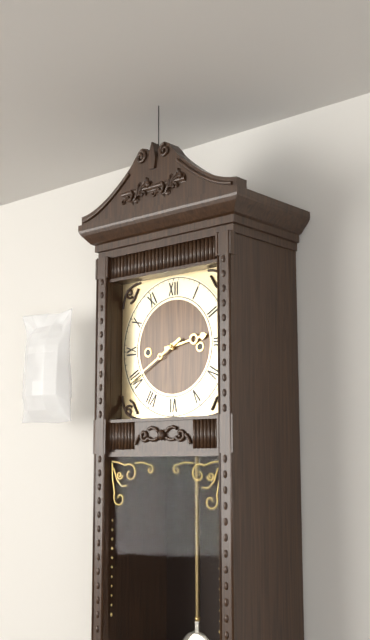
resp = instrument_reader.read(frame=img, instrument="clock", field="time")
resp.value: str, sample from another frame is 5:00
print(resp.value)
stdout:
2:40
